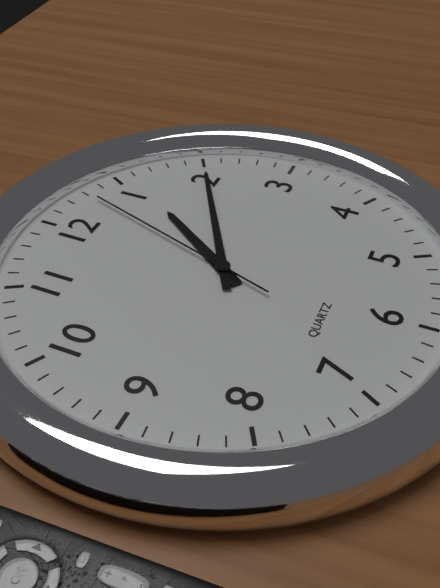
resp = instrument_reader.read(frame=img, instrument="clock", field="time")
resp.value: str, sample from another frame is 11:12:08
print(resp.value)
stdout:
1:10:03
